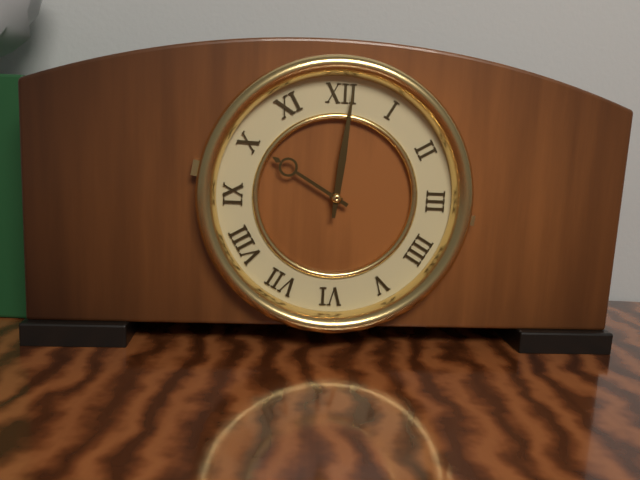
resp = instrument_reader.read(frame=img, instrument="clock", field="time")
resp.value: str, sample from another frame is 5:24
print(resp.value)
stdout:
10:01
